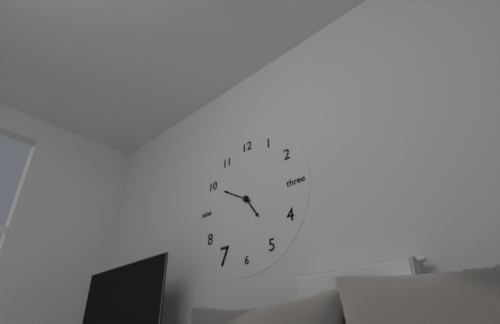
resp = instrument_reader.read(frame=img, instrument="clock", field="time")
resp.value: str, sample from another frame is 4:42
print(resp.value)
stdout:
4:50
